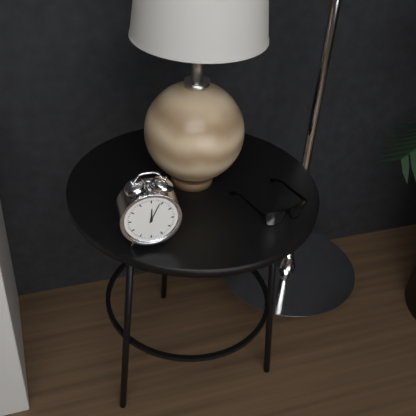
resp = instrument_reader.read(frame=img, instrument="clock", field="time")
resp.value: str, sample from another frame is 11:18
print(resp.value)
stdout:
12:04
